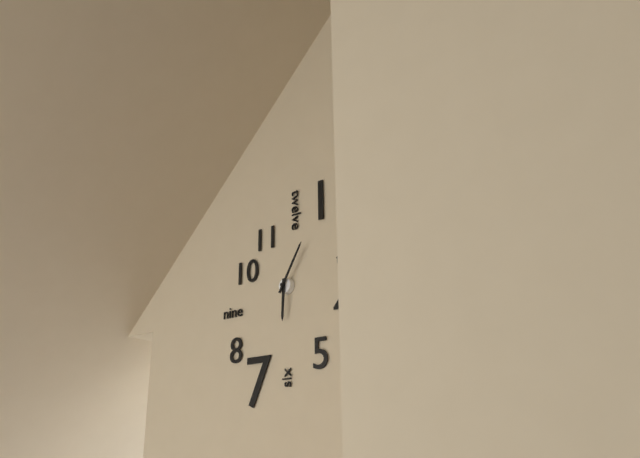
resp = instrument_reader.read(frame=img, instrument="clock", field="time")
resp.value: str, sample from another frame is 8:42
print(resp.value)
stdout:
6:05
